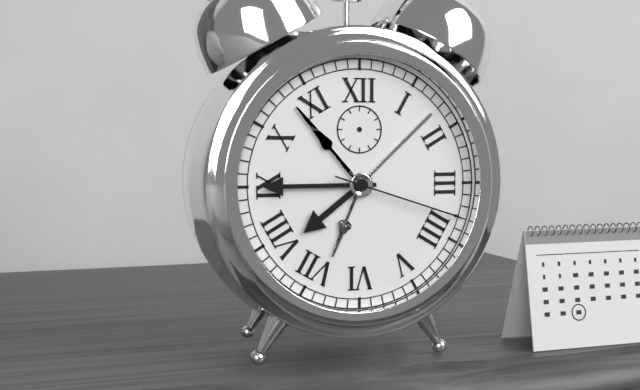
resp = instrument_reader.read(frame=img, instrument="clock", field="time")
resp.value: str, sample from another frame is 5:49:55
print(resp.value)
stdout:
7:45:18
